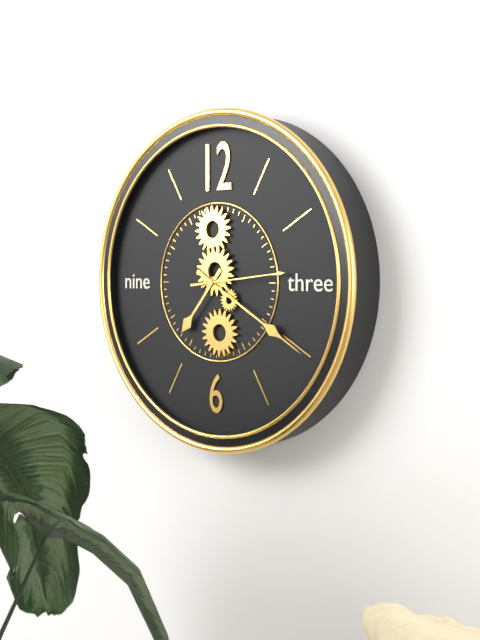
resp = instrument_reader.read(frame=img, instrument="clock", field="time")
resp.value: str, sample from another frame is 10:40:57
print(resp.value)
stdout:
7:20:14
